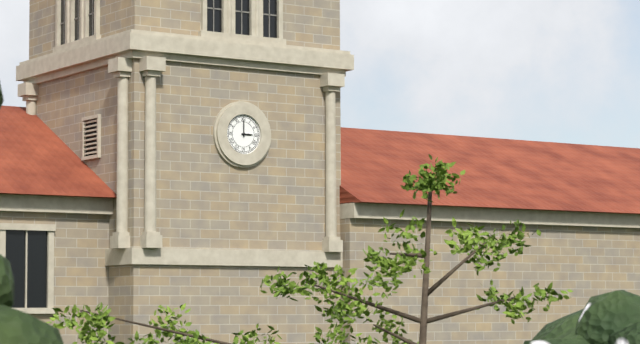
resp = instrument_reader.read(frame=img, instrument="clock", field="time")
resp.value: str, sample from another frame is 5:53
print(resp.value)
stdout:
3:00
